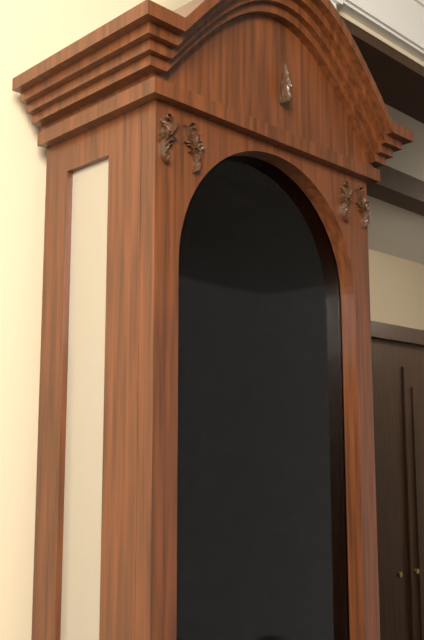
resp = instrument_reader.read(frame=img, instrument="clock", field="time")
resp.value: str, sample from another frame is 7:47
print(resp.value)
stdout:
1:18
